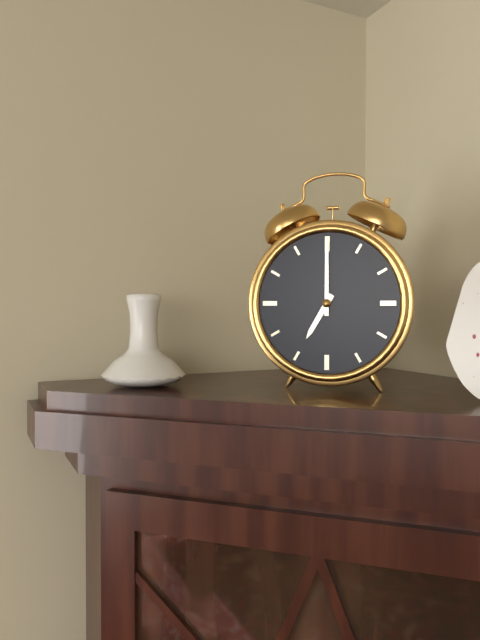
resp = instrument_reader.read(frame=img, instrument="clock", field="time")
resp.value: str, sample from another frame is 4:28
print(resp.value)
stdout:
7:00
